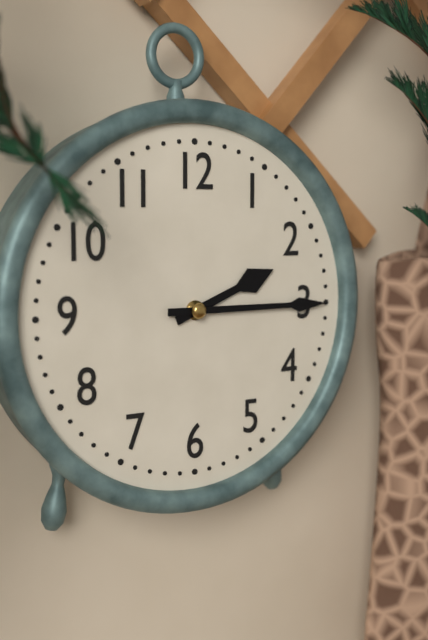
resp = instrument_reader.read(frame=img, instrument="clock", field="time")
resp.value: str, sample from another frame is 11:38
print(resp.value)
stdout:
2:15
